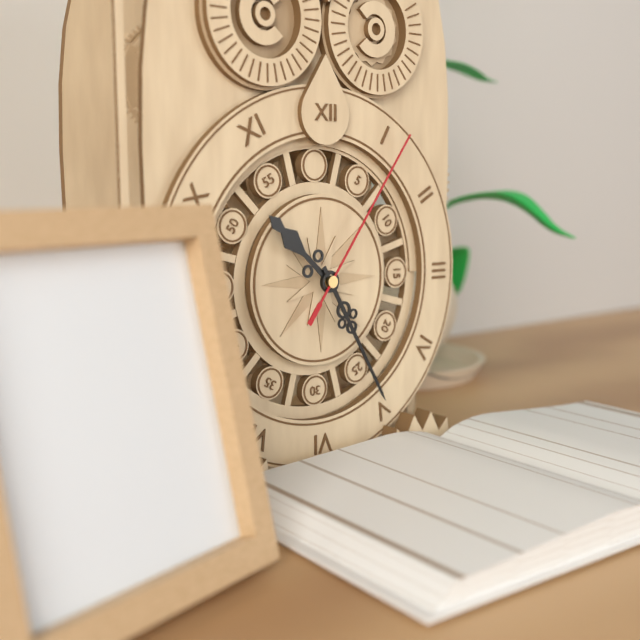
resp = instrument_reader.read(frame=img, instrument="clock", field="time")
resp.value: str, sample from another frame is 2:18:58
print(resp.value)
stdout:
10:25:06
